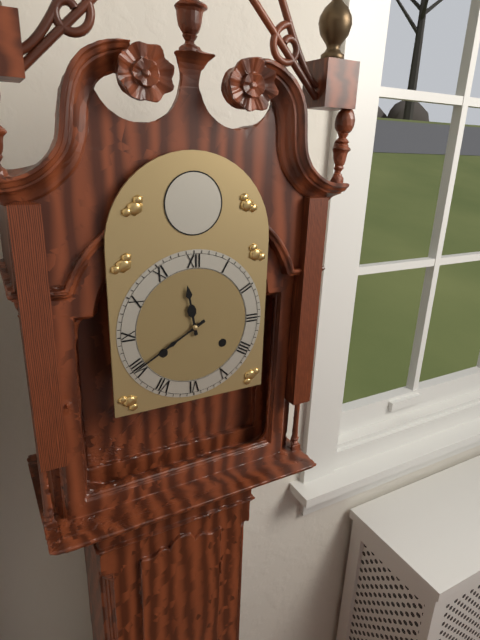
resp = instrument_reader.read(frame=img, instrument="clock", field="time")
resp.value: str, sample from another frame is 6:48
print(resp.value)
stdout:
11:40
